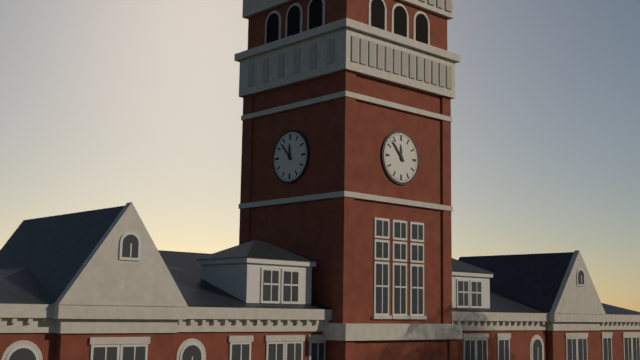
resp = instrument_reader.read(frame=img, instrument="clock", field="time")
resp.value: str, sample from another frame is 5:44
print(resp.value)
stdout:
11:53
